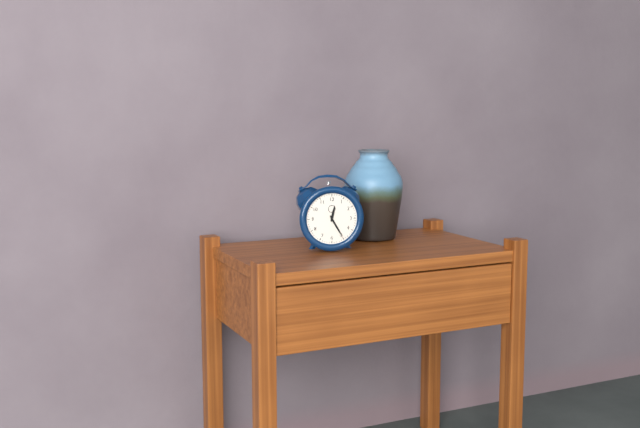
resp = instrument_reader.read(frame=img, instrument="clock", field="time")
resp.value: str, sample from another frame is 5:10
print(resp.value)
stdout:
12:25
